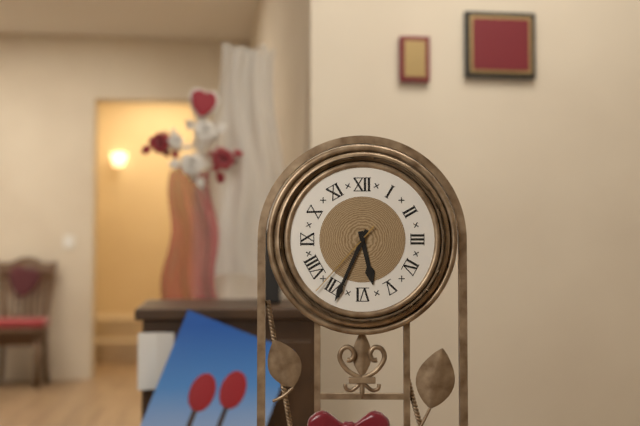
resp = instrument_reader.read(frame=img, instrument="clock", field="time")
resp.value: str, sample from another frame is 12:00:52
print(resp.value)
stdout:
5:34:37
